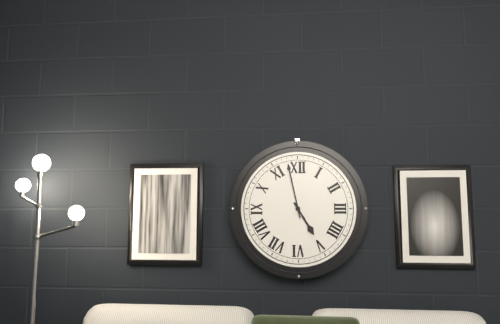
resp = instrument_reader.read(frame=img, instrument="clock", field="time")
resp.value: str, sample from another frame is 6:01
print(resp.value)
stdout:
4:58
